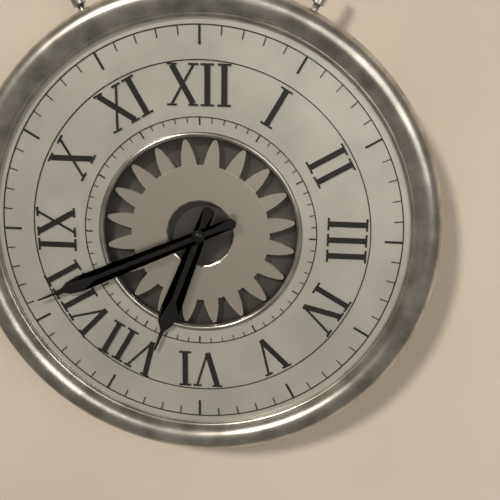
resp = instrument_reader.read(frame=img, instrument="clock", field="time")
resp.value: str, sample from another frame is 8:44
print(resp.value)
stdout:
6:41
